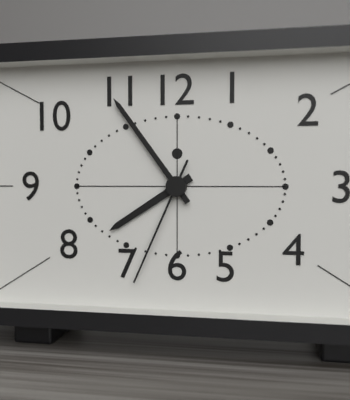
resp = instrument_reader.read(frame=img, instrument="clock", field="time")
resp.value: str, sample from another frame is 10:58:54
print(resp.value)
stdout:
7:54:34
